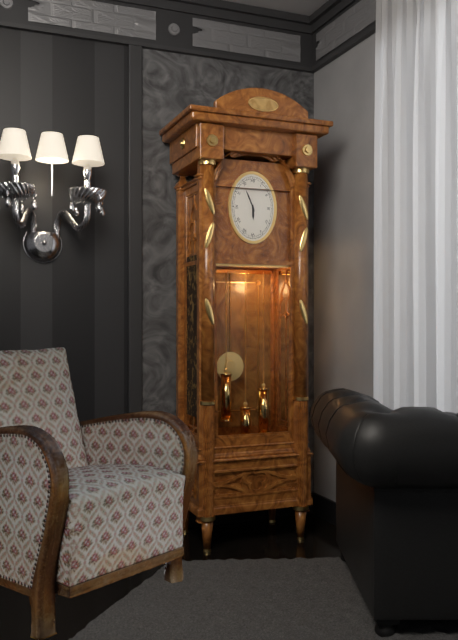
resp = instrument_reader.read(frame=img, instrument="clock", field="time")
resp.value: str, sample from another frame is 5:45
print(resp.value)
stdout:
5:56
